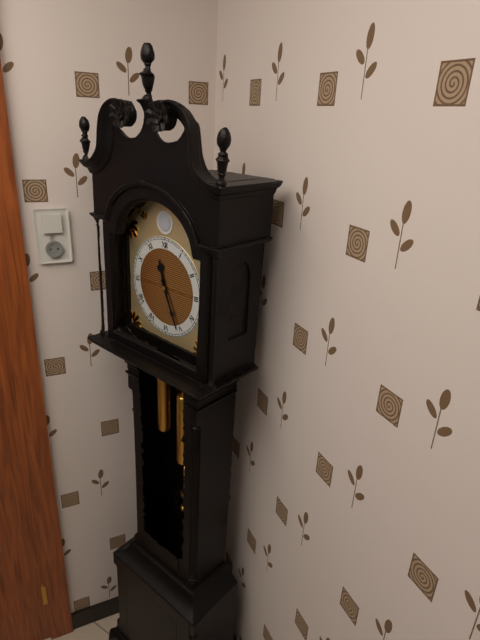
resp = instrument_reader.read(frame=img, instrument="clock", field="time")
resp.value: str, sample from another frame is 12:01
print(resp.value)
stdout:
11:26
